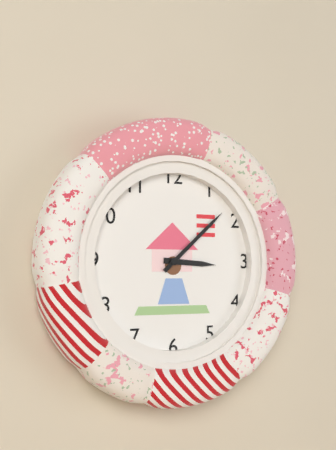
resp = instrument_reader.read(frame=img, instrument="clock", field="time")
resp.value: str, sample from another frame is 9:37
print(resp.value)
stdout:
3:08
